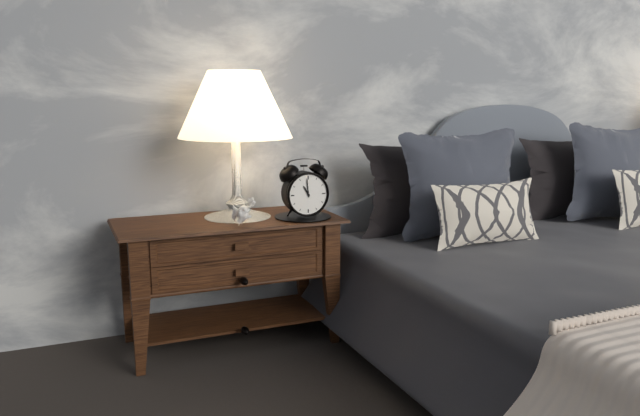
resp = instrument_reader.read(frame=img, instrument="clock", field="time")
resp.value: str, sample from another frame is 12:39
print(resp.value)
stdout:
10:59
